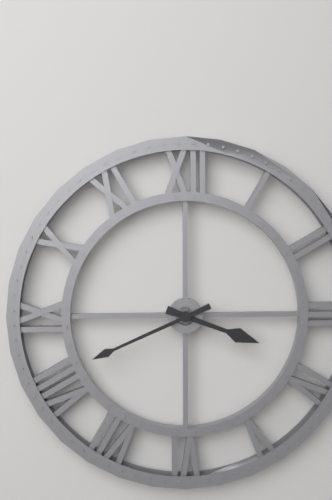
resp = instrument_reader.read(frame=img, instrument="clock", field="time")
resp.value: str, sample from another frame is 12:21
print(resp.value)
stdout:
3:41
